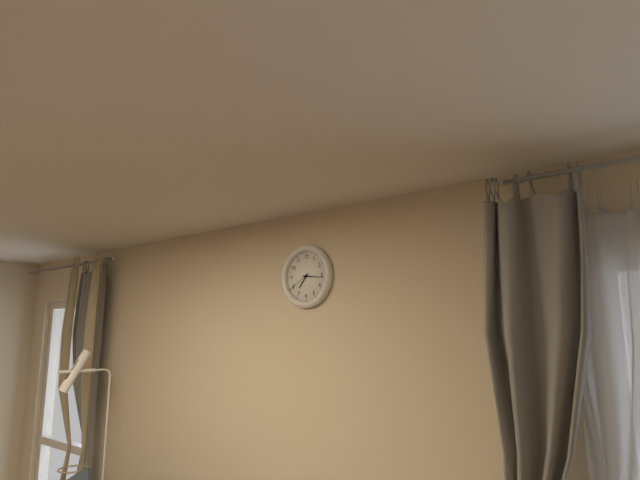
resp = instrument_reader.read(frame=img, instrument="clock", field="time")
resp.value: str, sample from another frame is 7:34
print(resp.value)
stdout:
7:16
